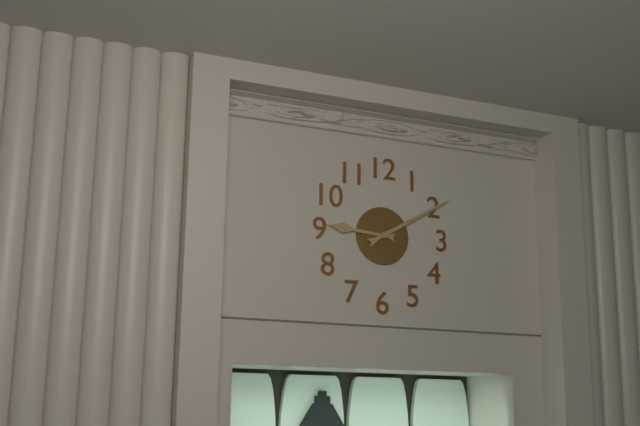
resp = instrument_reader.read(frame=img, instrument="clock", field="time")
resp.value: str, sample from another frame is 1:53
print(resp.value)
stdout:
9:10
